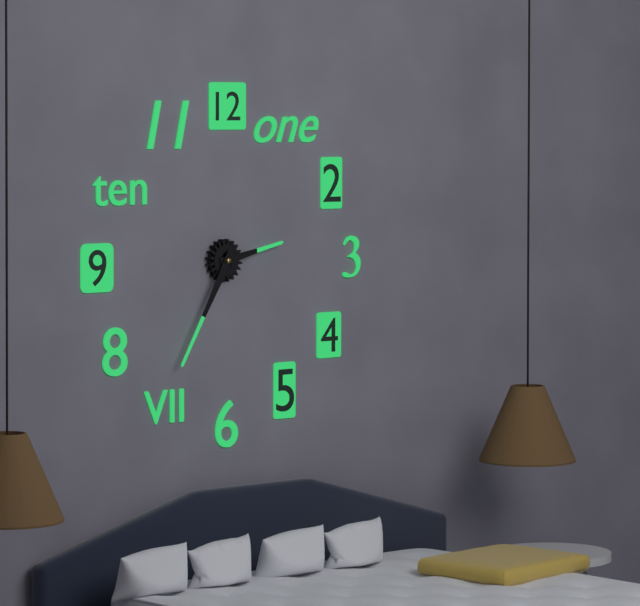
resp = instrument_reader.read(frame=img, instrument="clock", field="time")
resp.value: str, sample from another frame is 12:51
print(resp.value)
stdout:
2:35
